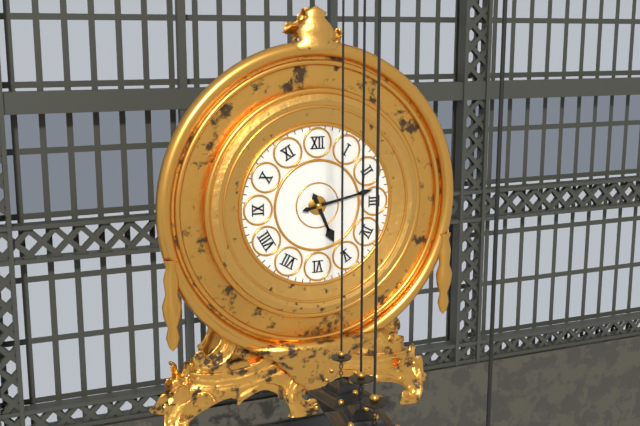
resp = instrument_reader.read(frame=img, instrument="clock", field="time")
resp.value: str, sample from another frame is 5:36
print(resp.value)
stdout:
5:13
